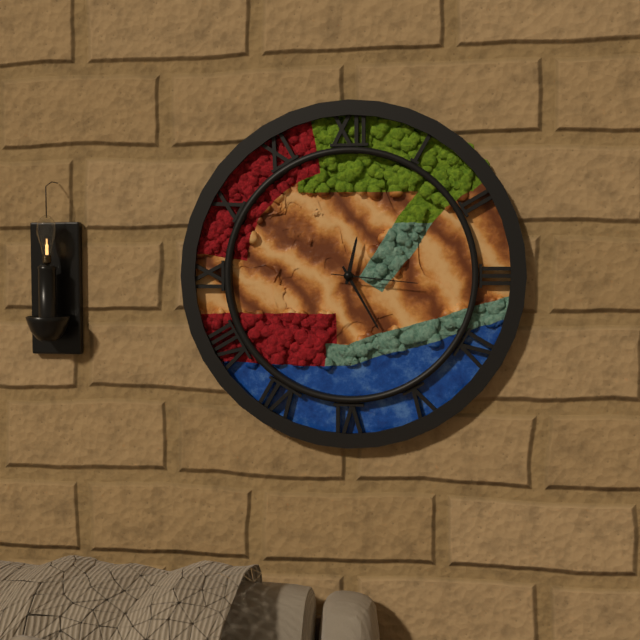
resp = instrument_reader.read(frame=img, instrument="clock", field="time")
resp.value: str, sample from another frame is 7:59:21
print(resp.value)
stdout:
12:25:16
